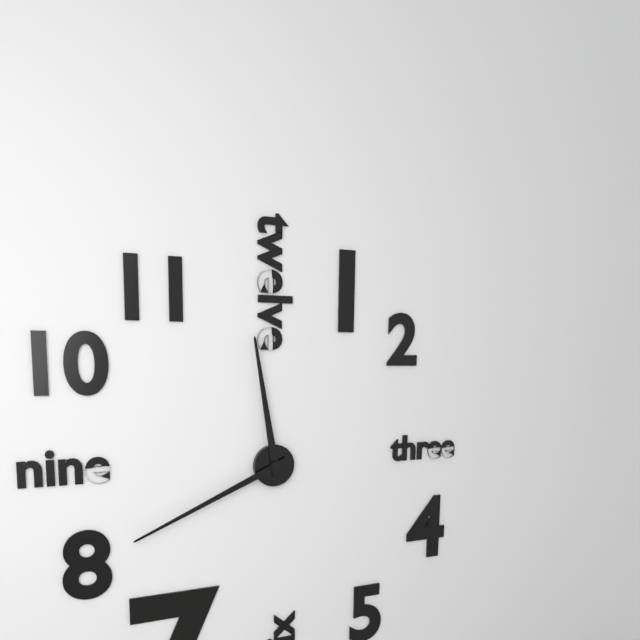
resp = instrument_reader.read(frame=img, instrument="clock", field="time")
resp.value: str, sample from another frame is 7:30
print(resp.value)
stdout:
11:41
